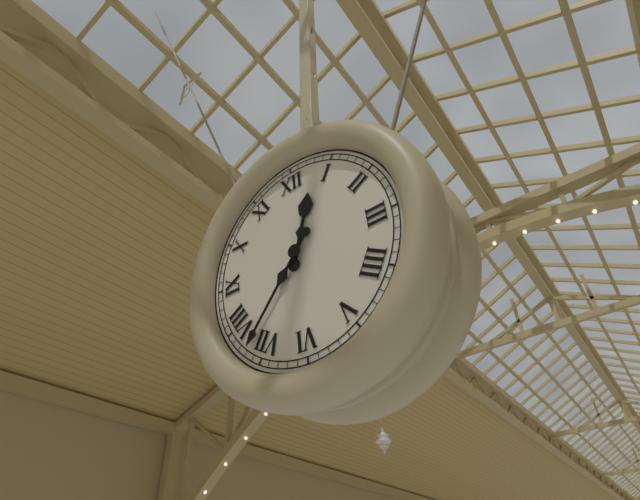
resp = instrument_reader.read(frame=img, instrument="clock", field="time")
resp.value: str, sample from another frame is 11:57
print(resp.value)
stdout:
12:37
